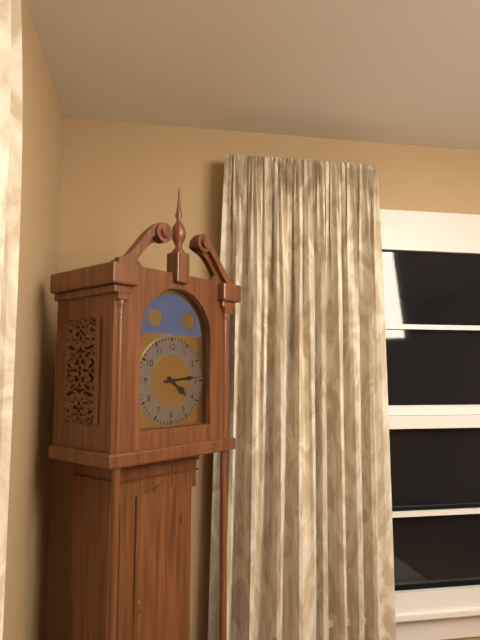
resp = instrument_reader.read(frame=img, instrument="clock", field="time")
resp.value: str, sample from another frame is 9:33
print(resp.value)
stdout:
4:14
